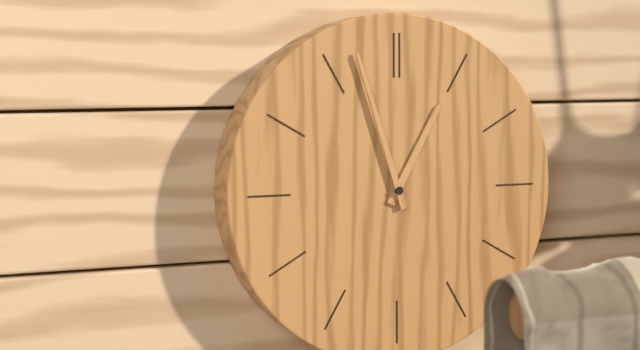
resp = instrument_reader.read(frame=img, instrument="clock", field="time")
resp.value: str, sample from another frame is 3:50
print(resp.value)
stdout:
12:57
